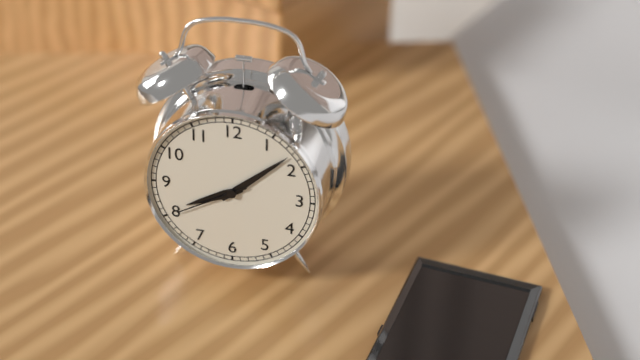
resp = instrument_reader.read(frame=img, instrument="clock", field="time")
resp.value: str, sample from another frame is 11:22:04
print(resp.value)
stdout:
8:08:40
